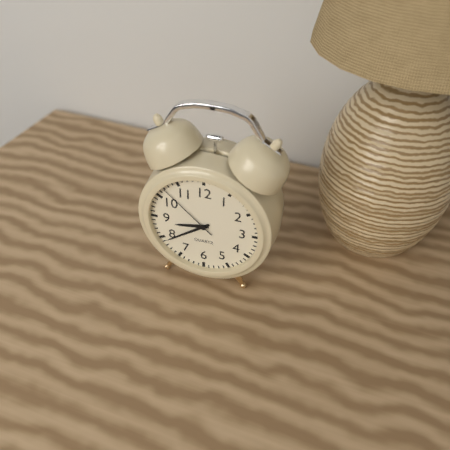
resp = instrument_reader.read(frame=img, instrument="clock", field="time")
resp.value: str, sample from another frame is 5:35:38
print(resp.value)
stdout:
8:39:52
